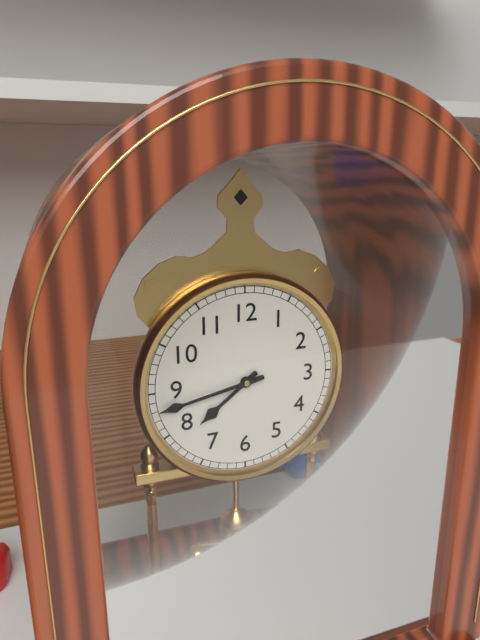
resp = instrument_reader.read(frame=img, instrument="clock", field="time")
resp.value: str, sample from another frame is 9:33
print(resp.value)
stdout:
7:43
